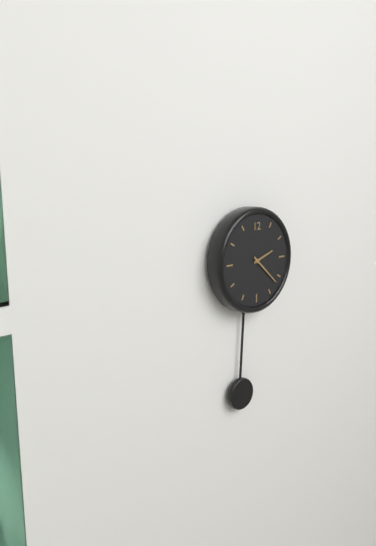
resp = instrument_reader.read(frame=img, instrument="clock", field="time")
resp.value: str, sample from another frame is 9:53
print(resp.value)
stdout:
2:22
